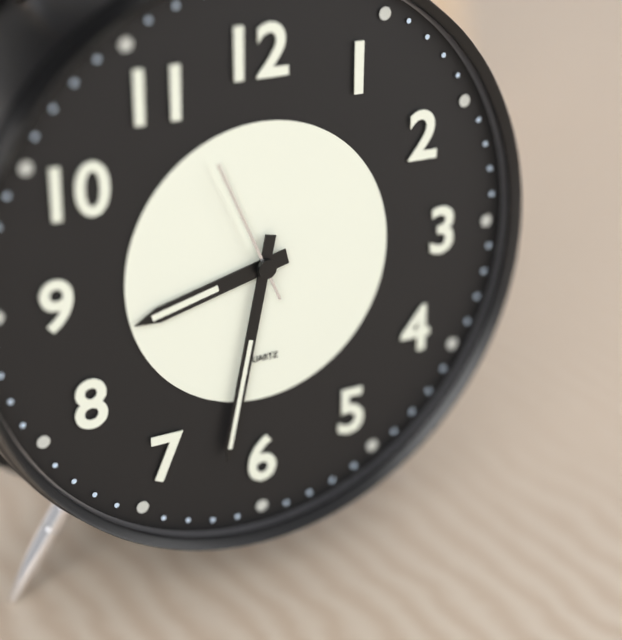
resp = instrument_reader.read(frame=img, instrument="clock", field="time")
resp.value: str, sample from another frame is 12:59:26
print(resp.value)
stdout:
8:32:56
